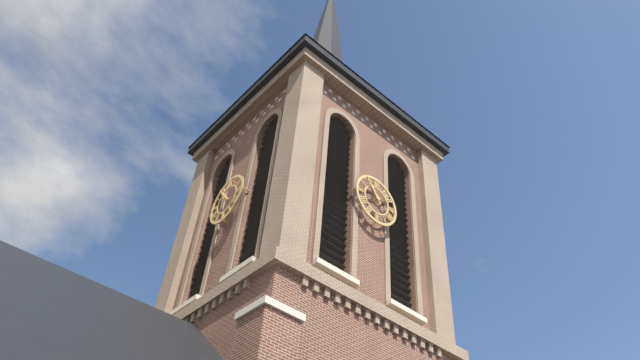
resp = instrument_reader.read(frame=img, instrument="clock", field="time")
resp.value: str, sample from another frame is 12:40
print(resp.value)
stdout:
10:54
